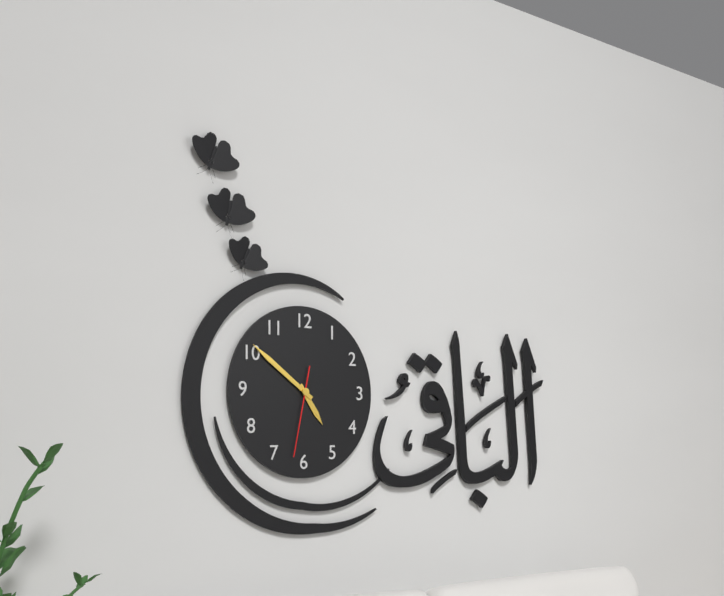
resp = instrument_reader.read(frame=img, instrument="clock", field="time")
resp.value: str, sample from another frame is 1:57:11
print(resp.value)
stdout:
4:51:32
